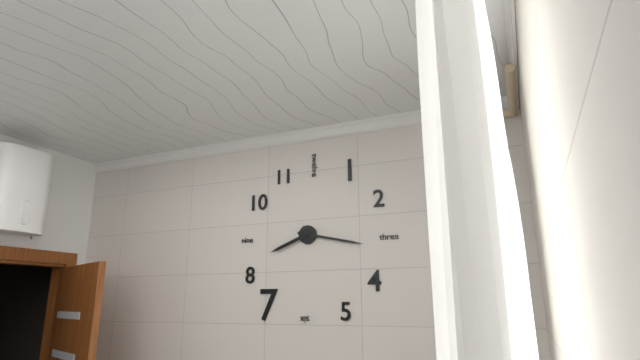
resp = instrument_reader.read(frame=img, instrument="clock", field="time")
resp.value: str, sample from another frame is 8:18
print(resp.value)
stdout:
8:17
